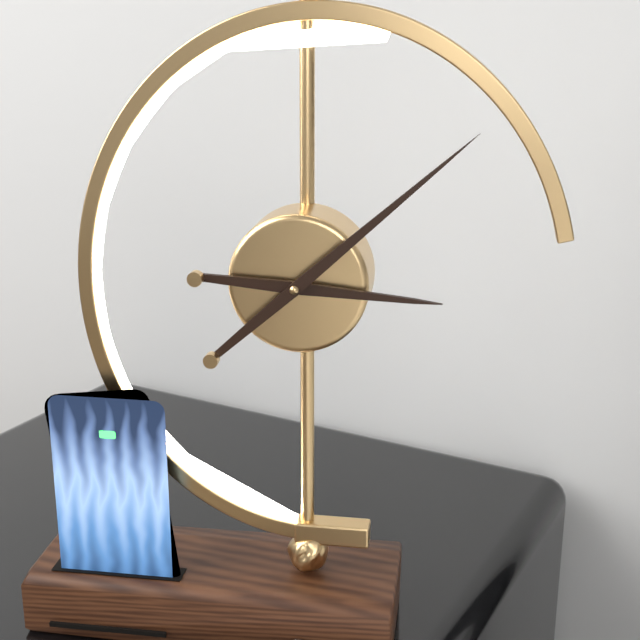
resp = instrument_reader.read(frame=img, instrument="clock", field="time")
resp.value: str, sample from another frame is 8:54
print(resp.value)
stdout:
3:08
